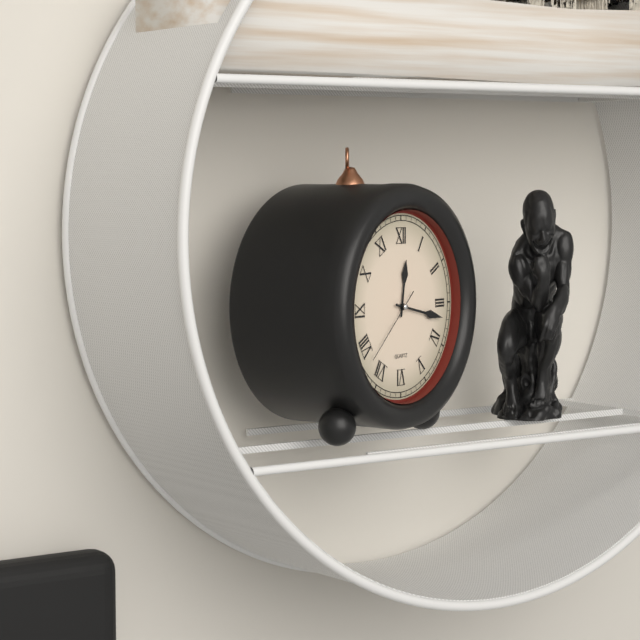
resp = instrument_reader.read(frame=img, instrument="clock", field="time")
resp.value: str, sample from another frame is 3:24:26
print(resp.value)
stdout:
12:17:38
